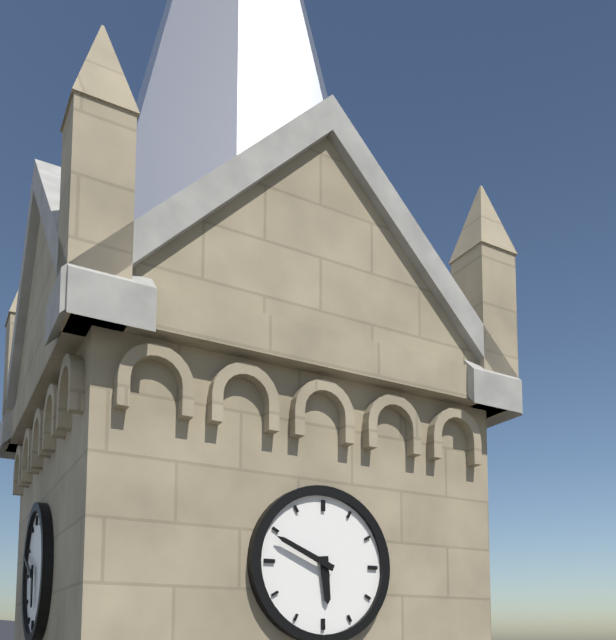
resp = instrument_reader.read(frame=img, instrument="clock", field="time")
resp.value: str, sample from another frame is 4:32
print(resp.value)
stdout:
5:49
